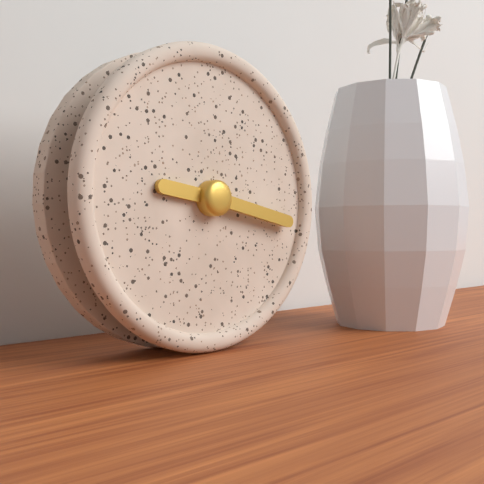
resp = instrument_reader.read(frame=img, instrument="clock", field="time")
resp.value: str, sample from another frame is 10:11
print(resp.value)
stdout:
9:17
